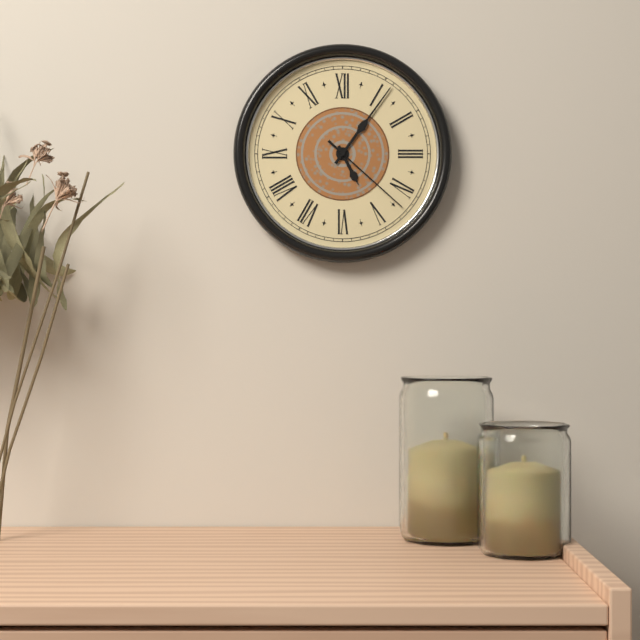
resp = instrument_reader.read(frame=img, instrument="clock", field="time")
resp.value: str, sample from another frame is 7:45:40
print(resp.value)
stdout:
5:06:22
